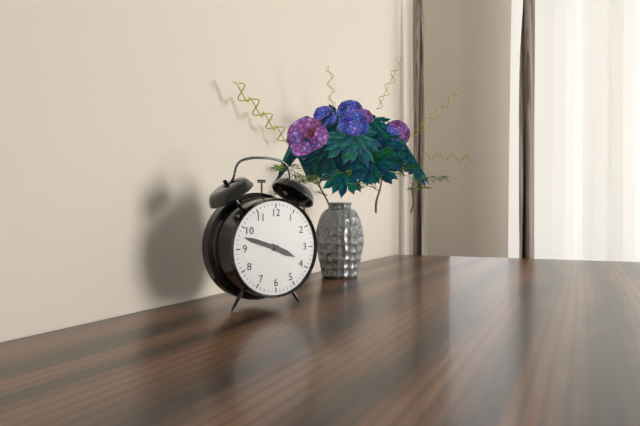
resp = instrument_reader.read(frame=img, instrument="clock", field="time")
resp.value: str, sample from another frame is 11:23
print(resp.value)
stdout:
3:48
